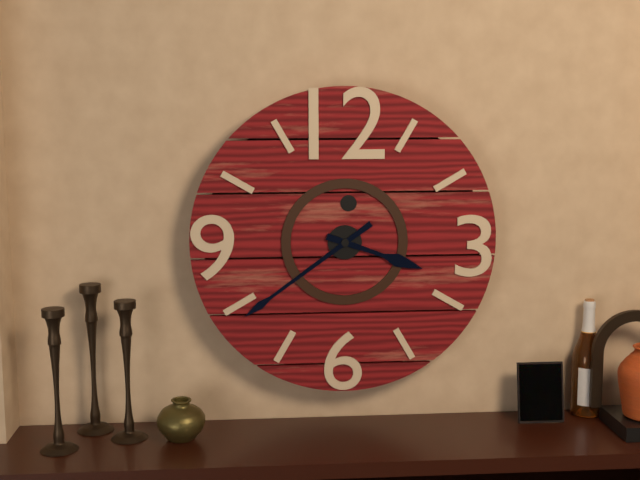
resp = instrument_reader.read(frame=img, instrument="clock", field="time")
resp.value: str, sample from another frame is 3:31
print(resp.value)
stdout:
3:39
